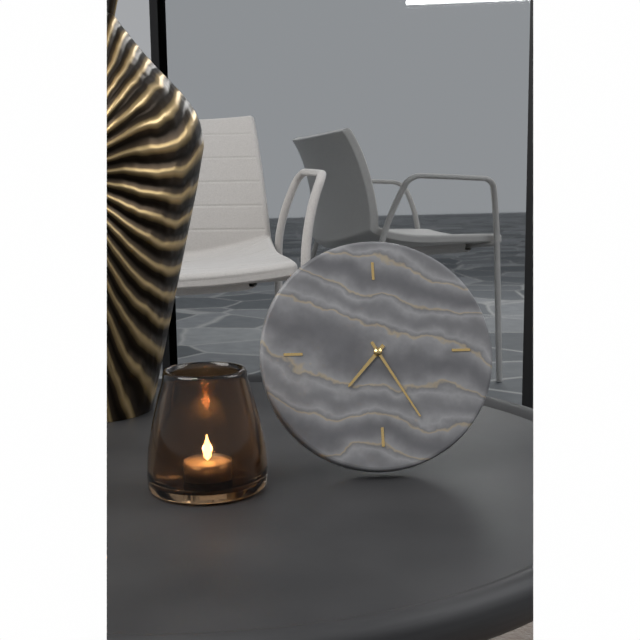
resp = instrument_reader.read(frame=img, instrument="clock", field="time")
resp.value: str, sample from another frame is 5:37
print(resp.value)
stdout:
7:25
